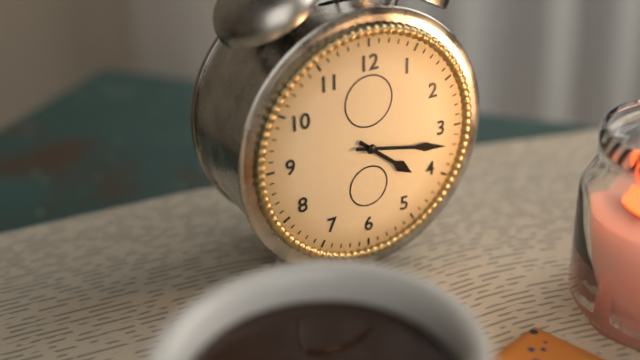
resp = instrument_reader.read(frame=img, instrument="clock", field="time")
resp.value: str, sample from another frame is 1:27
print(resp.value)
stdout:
4:17
